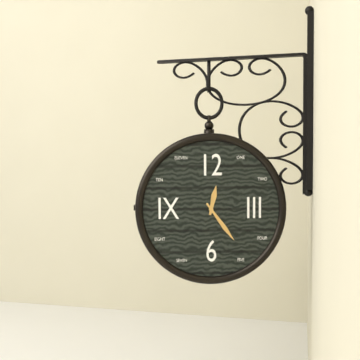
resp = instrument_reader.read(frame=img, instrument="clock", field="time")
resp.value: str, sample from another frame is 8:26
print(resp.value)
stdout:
12:24
